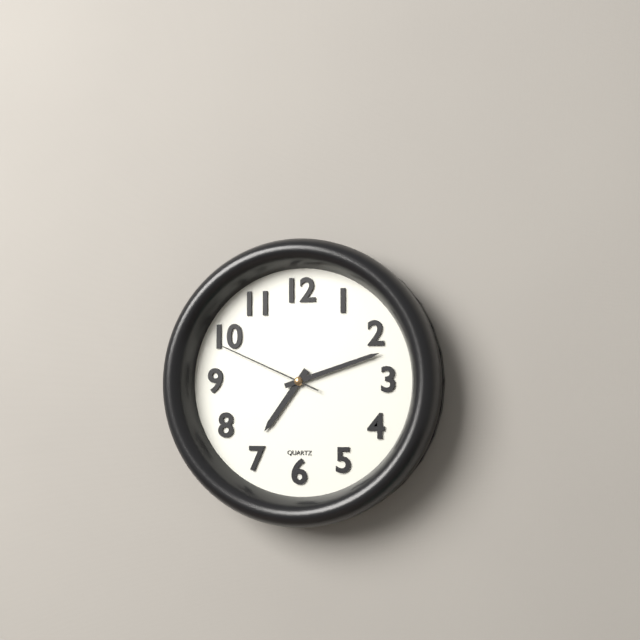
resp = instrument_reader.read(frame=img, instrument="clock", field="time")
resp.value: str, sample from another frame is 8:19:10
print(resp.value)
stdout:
7:12:49
